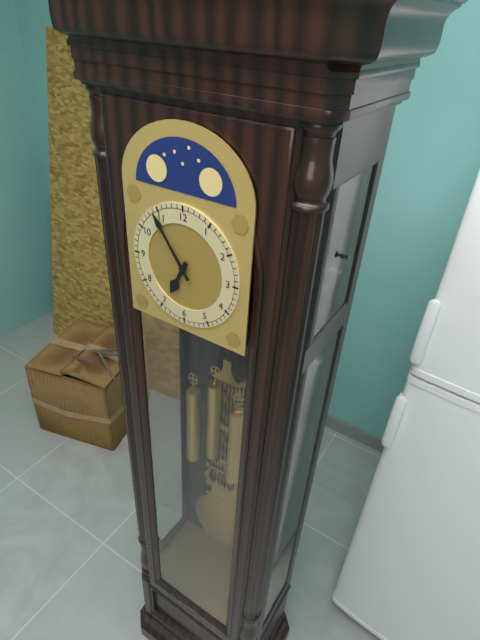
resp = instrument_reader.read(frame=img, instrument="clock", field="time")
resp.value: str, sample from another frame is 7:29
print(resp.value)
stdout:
6:54
